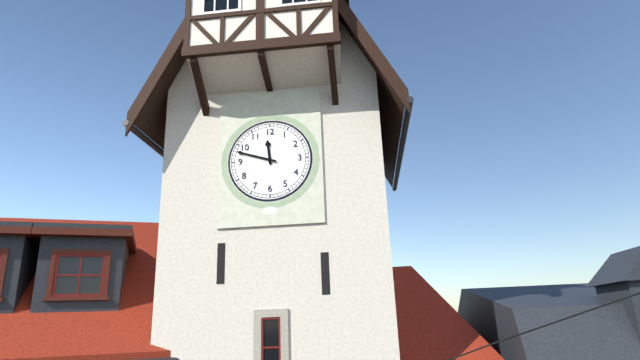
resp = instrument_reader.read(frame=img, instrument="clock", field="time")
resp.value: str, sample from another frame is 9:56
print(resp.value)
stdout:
11:48
